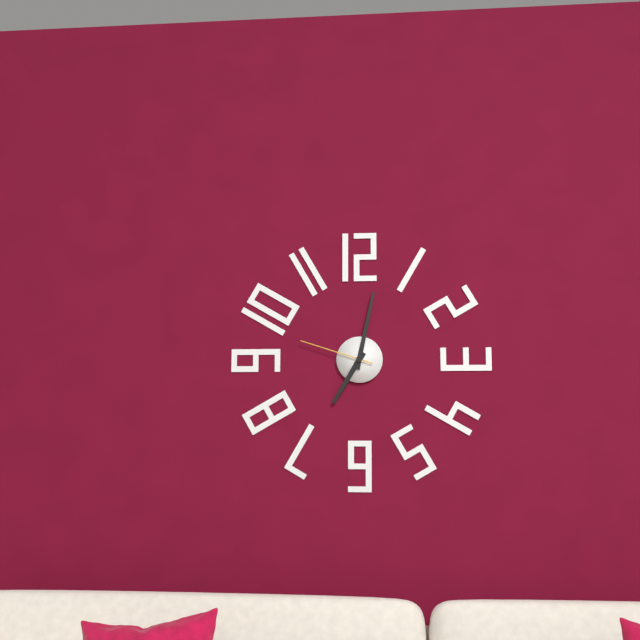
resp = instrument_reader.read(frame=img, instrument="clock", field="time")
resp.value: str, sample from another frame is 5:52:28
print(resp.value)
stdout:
7:02:48
